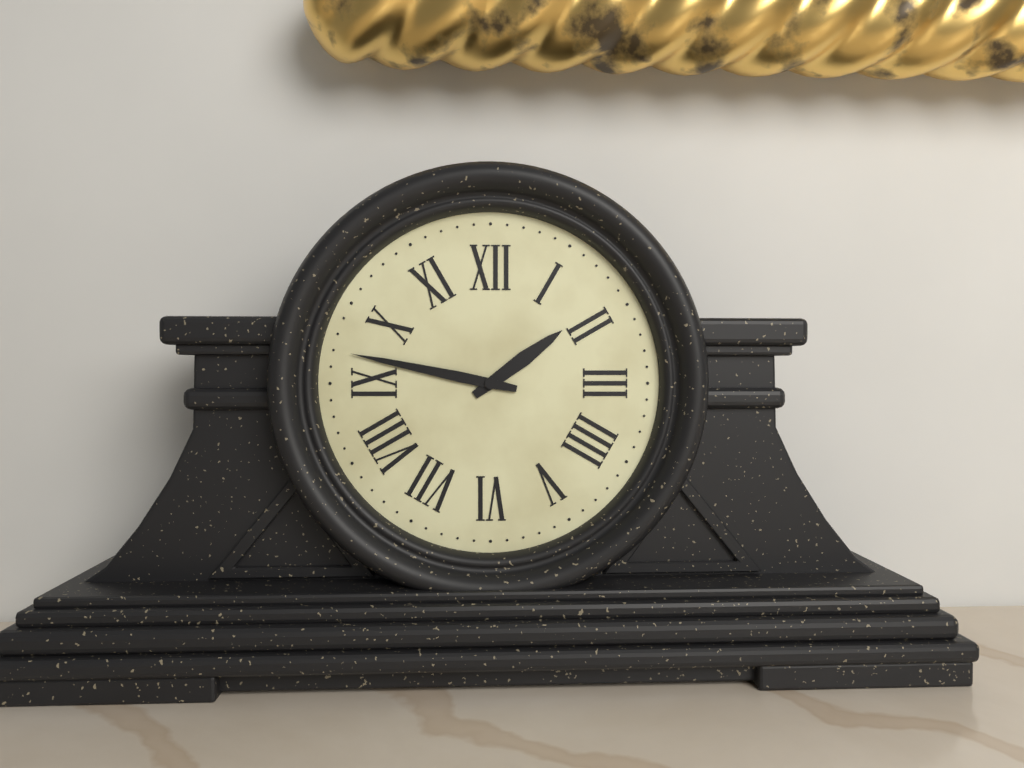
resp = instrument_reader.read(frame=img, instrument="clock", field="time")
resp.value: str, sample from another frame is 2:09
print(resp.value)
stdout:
1:47
